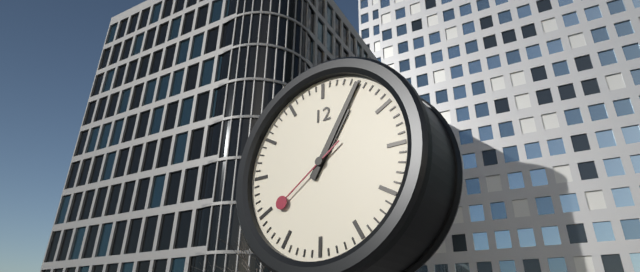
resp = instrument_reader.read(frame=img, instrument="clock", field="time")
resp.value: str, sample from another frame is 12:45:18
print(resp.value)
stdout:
1:05:39
